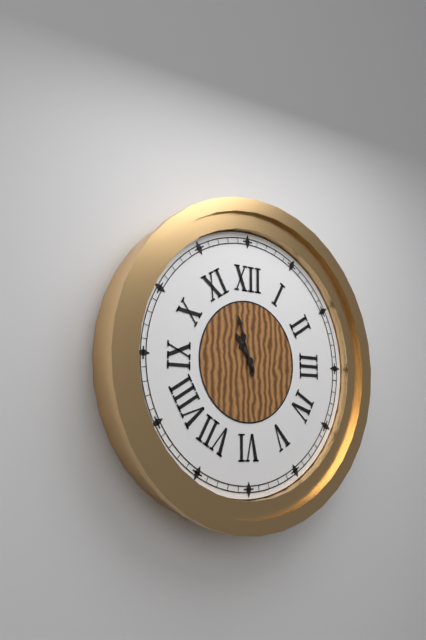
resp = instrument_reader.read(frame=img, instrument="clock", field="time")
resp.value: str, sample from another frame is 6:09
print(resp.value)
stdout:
10:57
